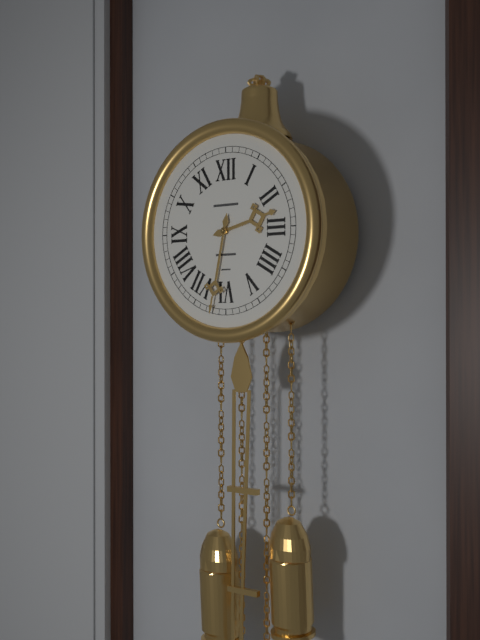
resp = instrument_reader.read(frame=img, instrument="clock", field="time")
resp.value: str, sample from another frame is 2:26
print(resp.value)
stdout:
2:32
